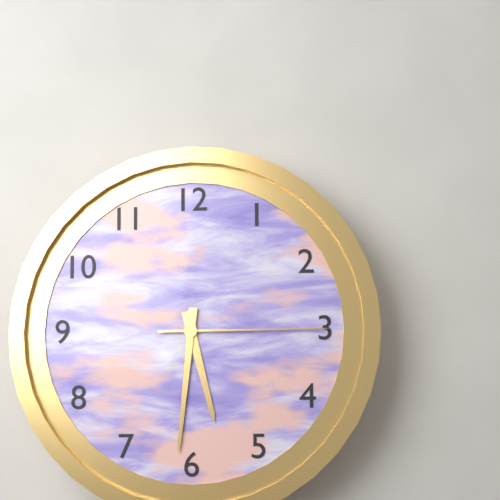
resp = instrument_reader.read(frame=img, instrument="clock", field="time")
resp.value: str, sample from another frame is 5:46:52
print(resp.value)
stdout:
5:31:15
